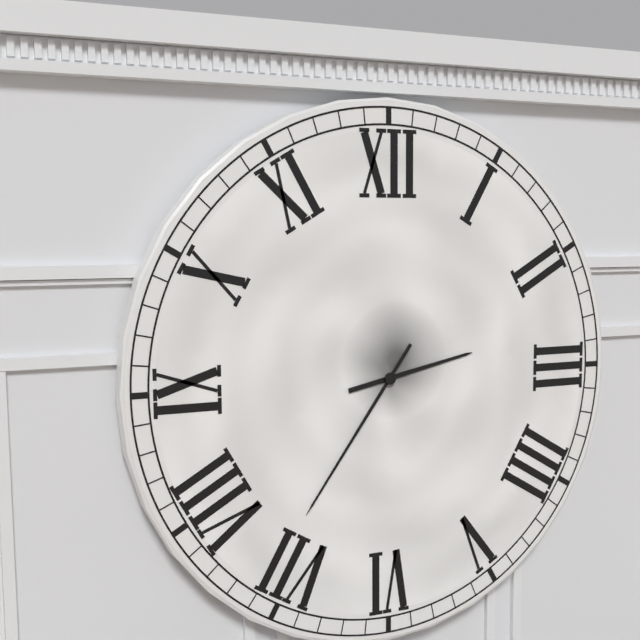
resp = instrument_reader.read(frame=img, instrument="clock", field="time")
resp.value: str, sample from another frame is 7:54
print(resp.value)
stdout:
2:36
